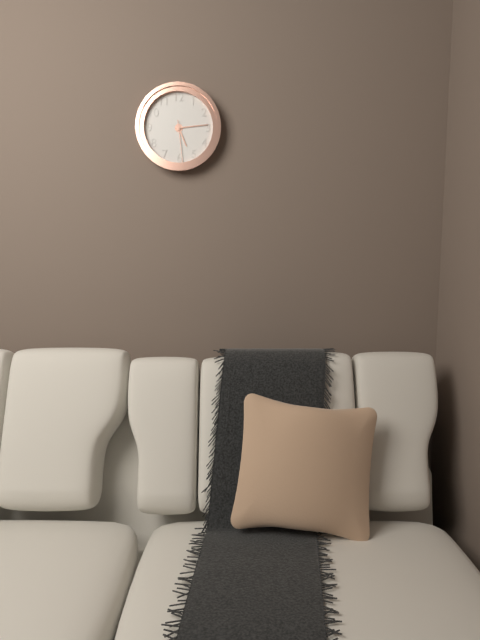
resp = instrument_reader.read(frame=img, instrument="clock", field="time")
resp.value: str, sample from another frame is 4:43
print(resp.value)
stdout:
5:14
